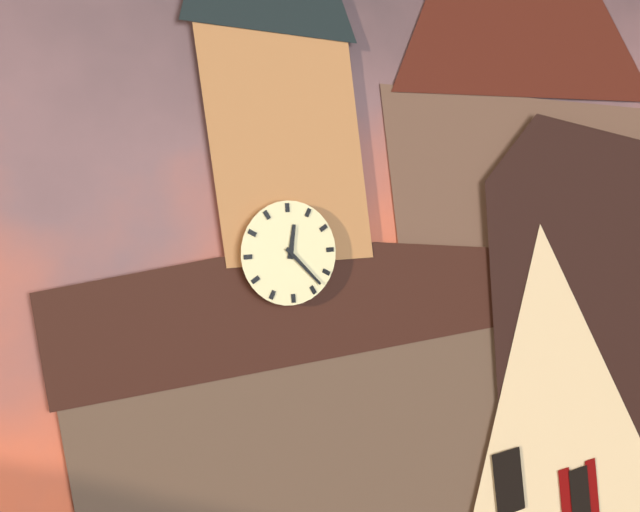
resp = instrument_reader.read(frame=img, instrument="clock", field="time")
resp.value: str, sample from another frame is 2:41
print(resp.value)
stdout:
12:23
